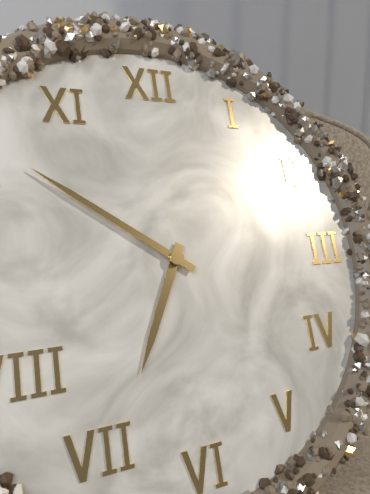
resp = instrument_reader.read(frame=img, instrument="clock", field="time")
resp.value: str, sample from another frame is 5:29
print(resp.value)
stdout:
6:51
